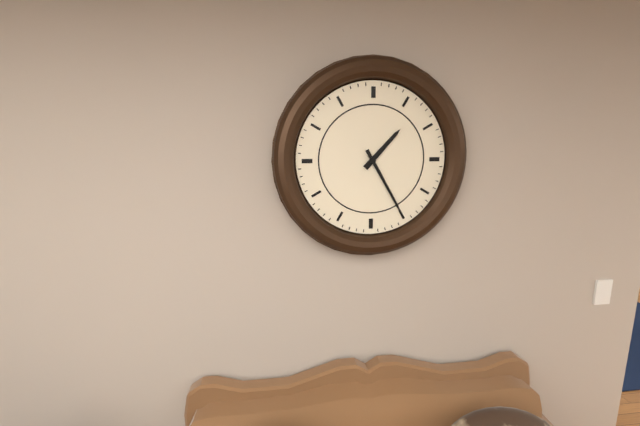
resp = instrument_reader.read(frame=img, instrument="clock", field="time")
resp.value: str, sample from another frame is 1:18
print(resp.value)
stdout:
1:25
